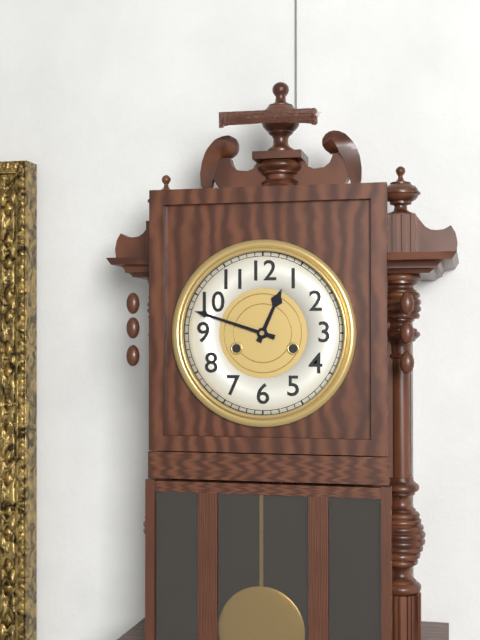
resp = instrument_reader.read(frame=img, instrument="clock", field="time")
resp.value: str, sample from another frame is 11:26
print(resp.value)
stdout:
12:48
